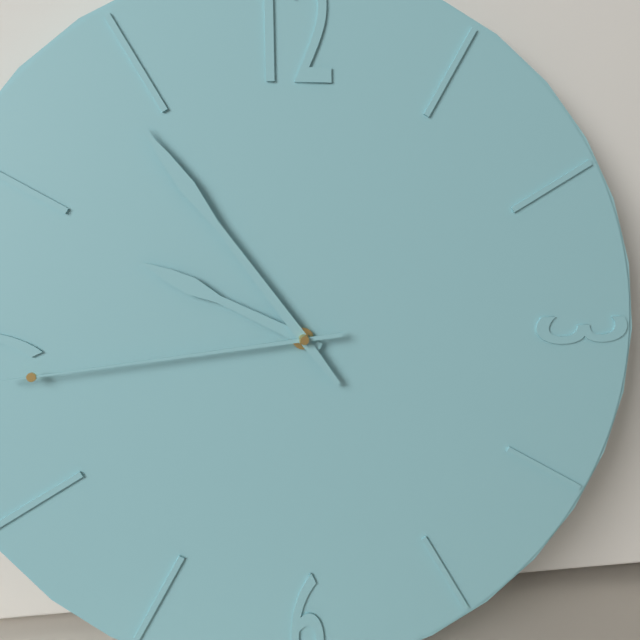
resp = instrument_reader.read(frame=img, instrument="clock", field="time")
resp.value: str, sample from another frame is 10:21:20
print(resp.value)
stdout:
9:54:44
